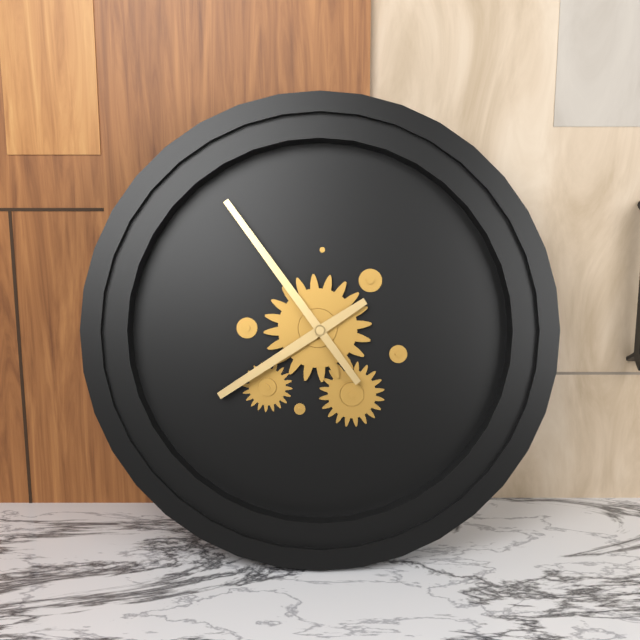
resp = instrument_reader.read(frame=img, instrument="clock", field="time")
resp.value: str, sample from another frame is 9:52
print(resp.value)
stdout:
7:54
